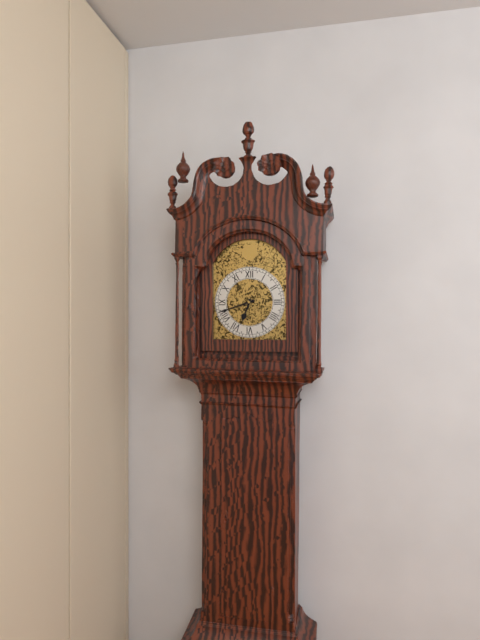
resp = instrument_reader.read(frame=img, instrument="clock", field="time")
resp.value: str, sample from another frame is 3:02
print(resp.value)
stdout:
6:42
